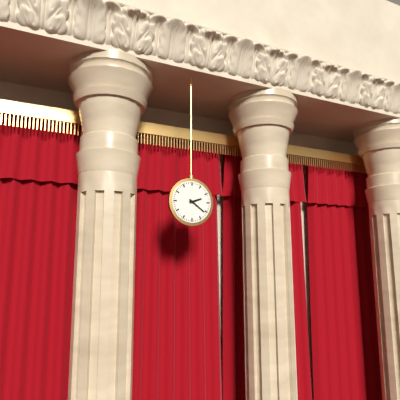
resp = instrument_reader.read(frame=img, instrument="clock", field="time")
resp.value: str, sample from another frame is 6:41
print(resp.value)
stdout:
2:21
